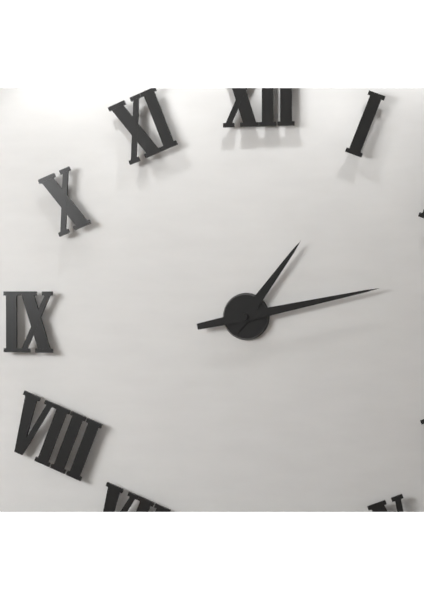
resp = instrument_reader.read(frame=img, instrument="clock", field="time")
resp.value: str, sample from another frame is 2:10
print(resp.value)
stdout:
1:13
